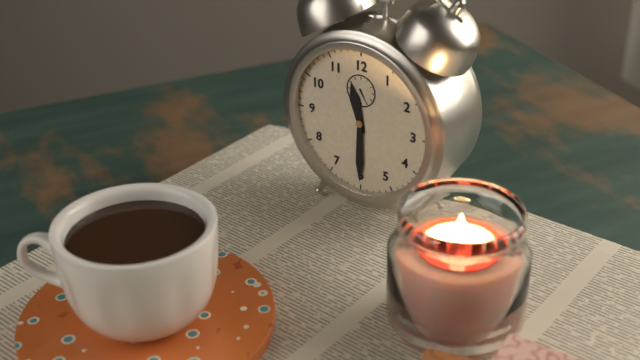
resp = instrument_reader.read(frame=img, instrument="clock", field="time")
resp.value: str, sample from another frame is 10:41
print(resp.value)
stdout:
11:30
